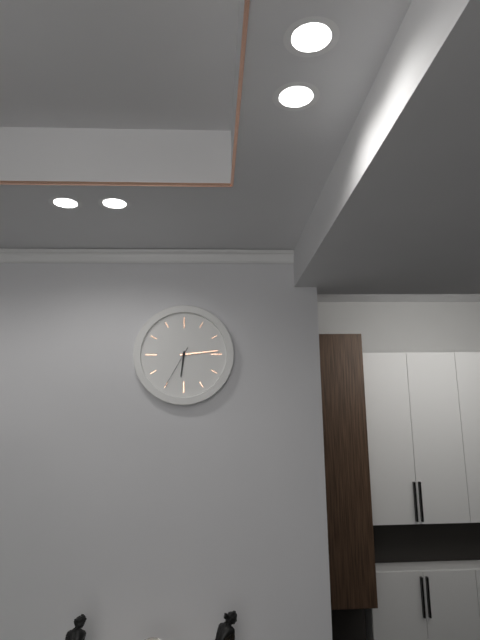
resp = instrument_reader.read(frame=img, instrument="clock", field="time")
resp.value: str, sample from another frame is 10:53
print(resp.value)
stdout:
6:14
